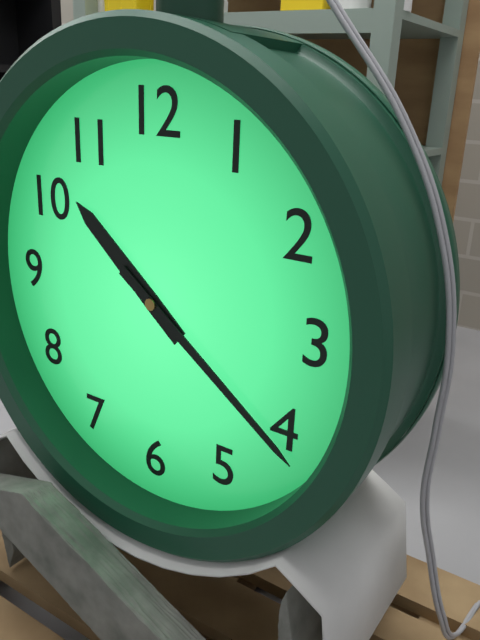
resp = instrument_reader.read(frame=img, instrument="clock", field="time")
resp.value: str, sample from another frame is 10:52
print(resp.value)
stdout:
10:21
